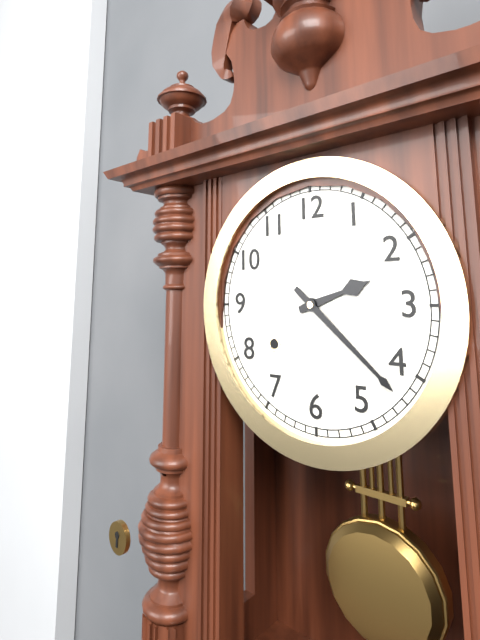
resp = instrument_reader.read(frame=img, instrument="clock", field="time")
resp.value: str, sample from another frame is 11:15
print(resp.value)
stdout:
2:22
